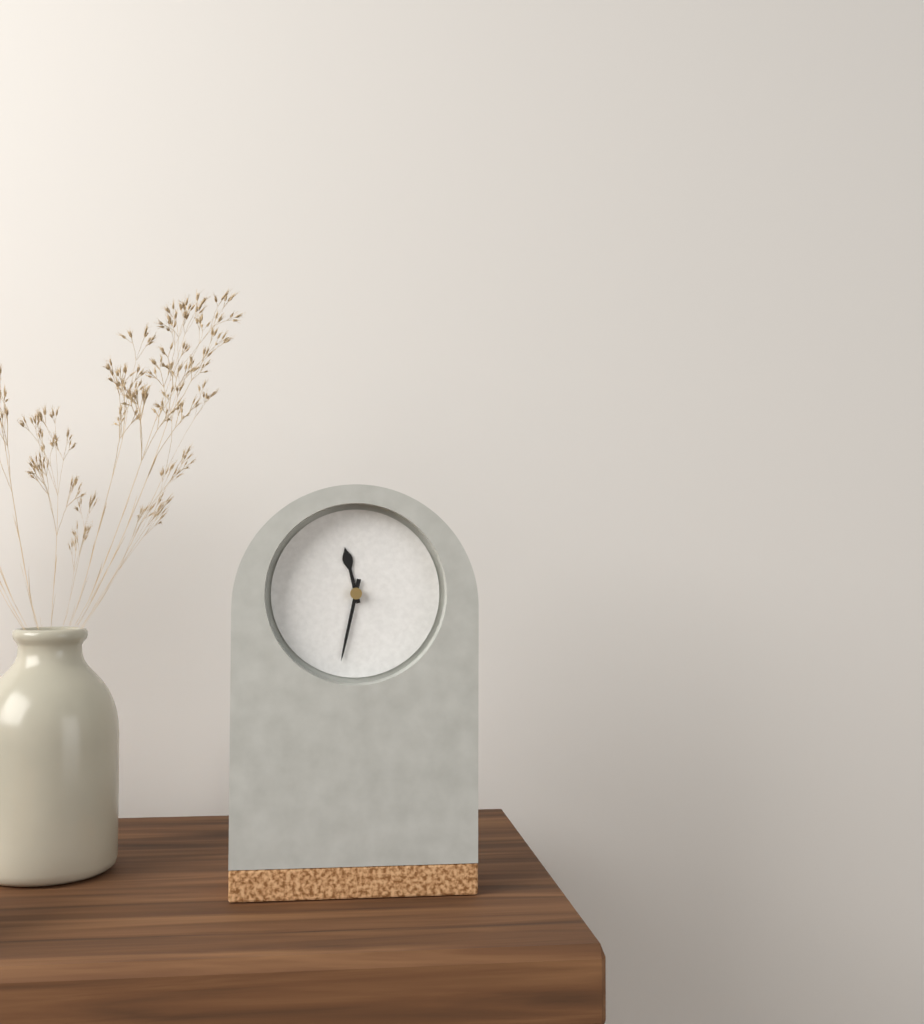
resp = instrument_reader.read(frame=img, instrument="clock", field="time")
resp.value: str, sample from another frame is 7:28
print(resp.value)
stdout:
11:32
